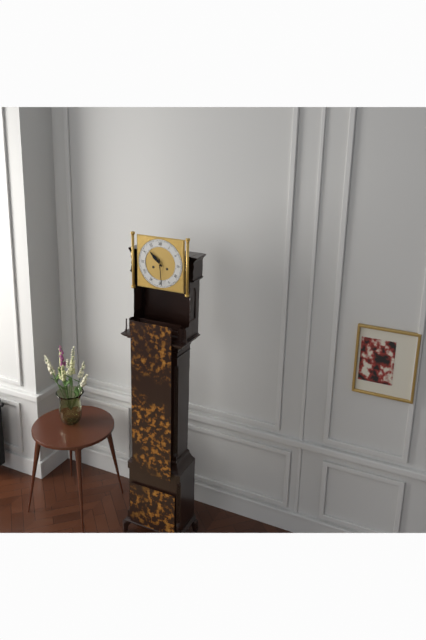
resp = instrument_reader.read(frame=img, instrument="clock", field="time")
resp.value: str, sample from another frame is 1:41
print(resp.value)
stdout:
10:29
